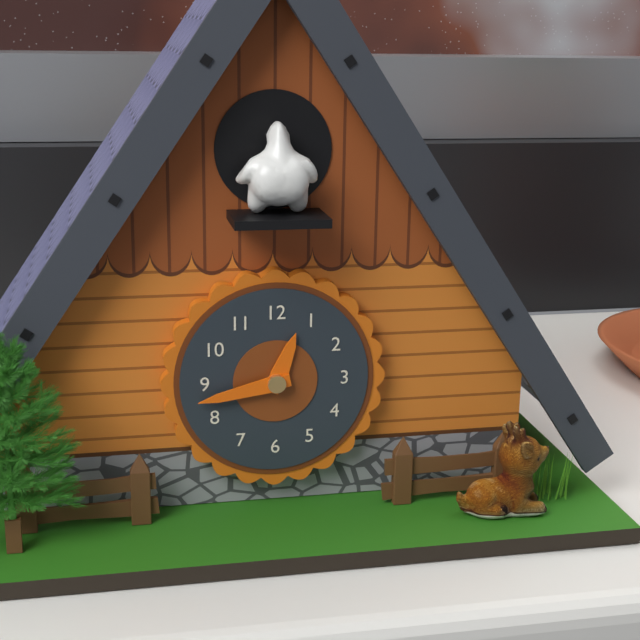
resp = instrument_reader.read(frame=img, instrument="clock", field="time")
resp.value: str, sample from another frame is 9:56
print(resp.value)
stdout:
12:43
